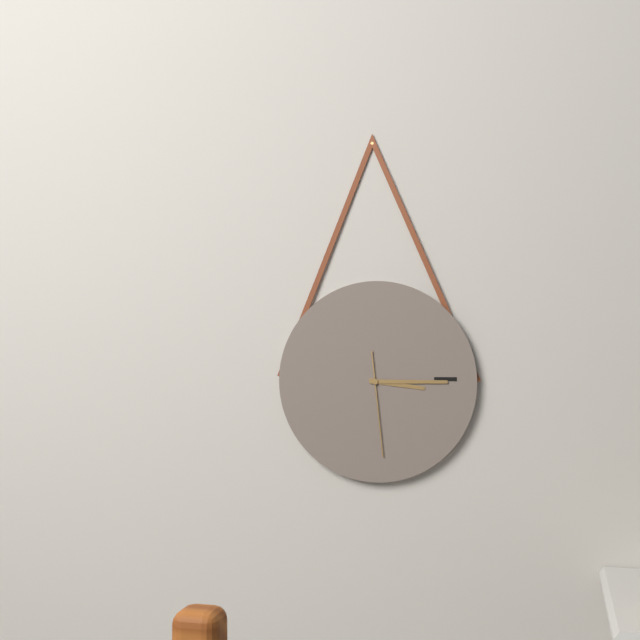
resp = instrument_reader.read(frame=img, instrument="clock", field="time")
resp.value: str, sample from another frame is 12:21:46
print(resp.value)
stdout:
3:15:29
